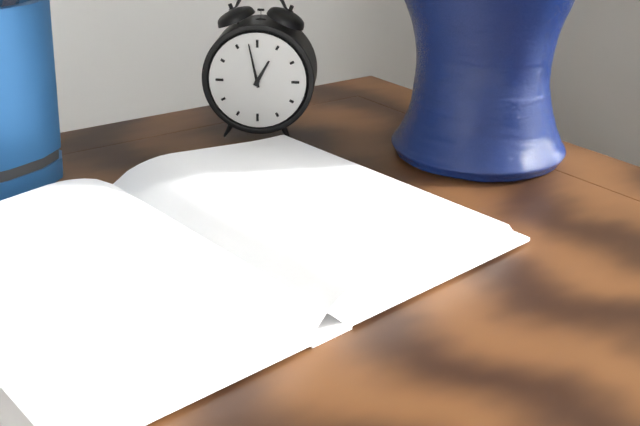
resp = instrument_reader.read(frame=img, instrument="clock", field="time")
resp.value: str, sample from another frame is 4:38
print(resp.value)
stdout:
12:58
